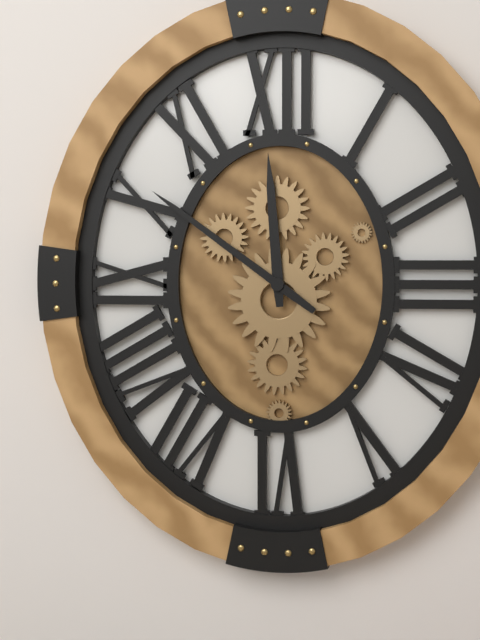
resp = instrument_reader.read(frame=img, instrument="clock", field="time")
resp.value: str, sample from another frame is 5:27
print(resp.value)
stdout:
11:51
